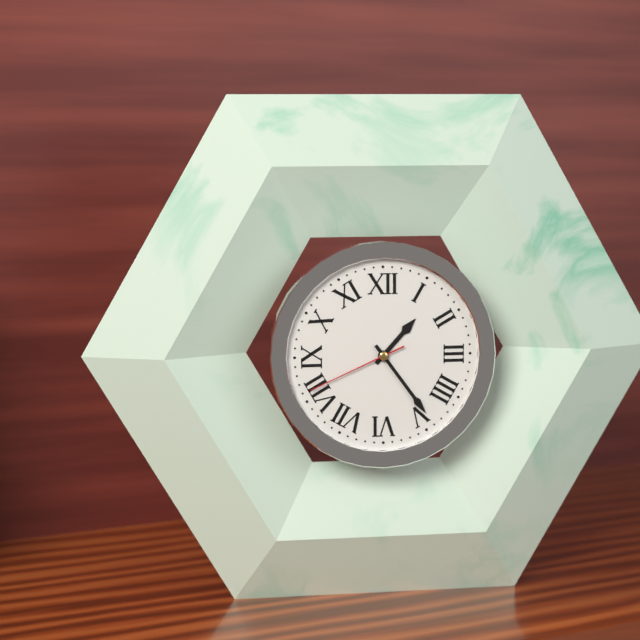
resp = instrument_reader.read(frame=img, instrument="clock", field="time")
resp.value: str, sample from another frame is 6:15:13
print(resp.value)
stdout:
1:24:41
